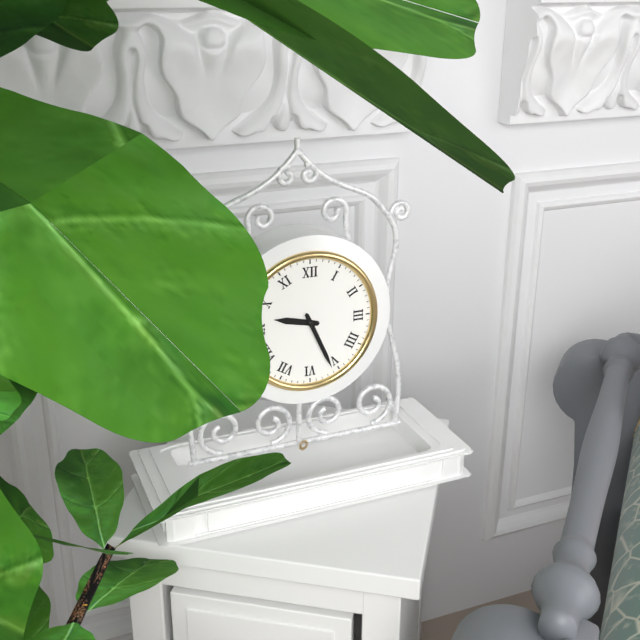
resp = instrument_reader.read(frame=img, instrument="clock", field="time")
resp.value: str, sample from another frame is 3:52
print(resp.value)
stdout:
9:26
